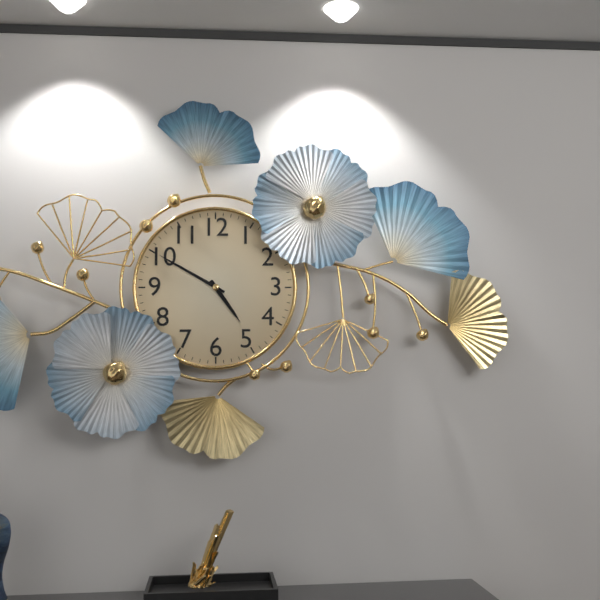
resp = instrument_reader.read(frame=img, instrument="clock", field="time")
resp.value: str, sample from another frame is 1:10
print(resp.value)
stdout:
4:50
